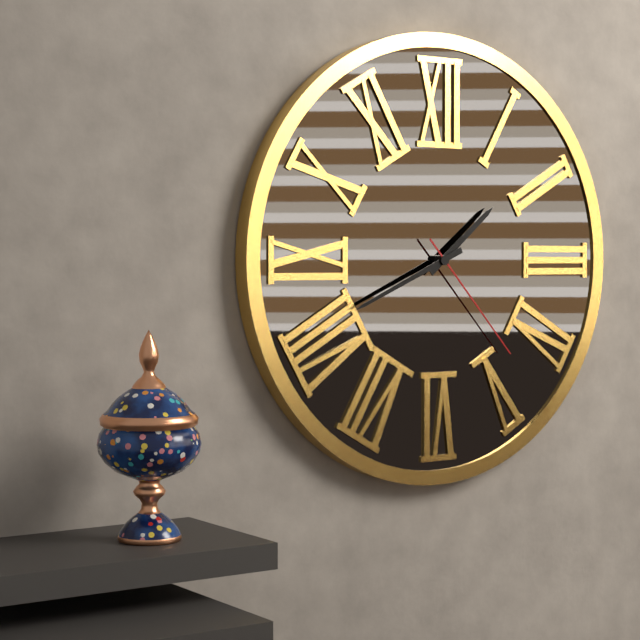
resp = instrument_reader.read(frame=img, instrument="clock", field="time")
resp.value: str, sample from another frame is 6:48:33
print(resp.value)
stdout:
1:41:23
